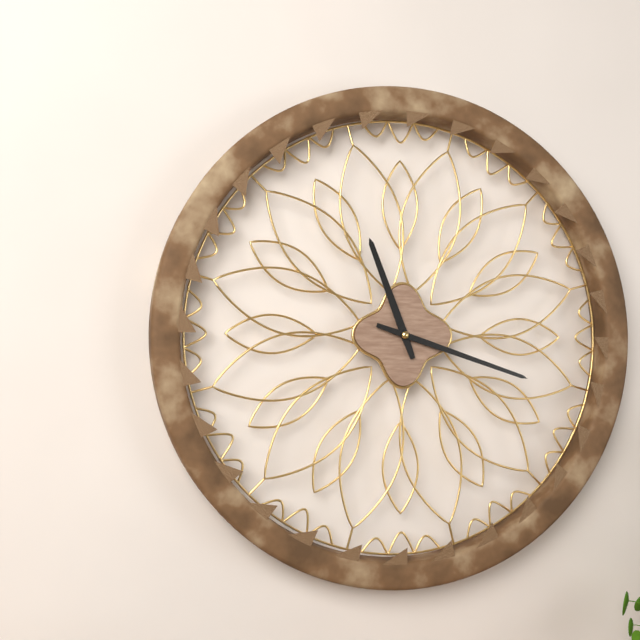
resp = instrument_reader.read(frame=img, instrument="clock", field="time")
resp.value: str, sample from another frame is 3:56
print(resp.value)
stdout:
11:18
